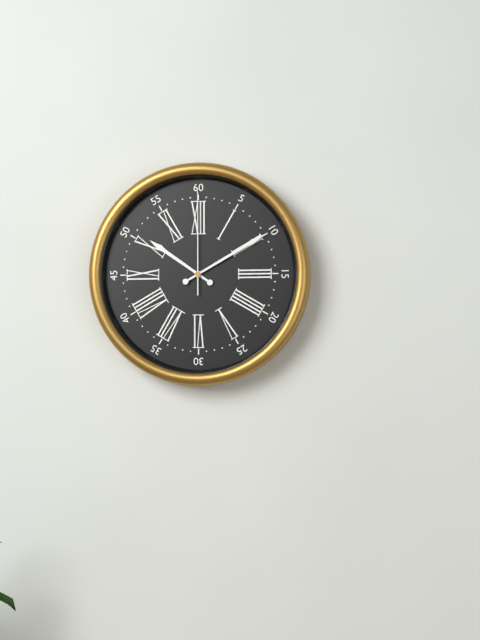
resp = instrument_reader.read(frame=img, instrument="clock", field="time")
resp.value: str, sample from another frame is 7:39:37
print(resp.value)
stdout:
10:10:00
